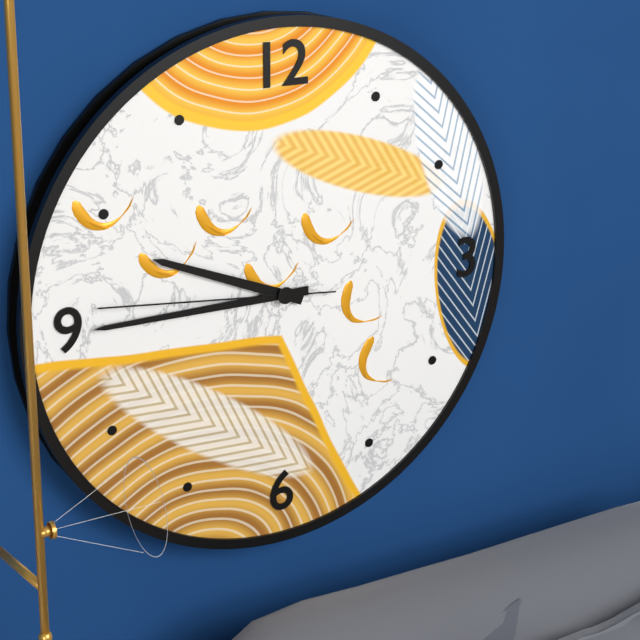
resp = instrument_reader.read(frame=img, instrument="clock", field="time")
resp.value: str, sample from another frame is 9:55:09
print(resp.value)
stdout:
9:45:46
